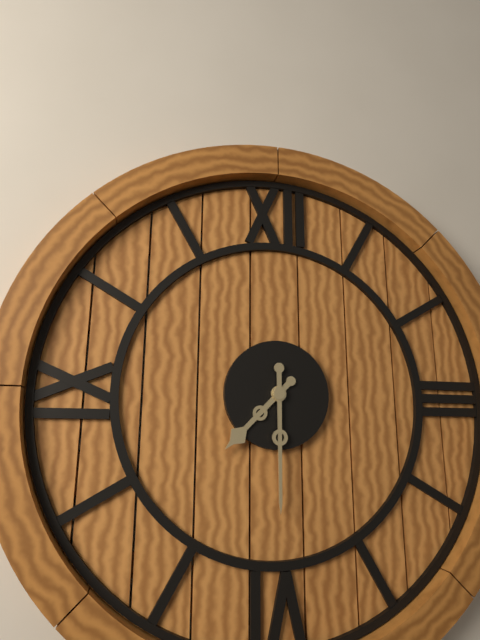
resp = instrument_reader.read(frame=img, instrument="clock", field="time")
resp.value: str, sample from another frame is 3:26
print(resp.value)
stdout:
7:30
